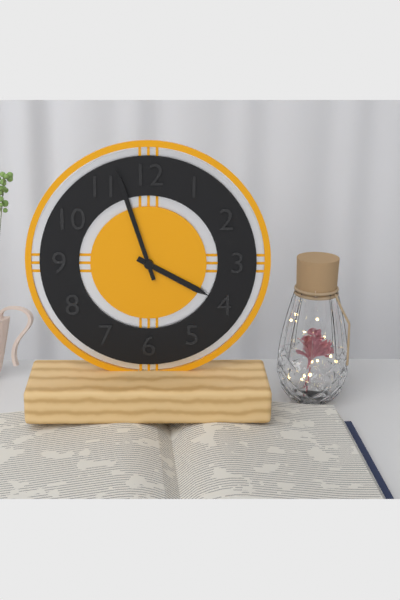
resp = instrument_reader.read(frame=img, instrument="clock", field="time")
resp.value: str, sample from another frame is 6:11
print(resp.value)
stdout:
3:57
